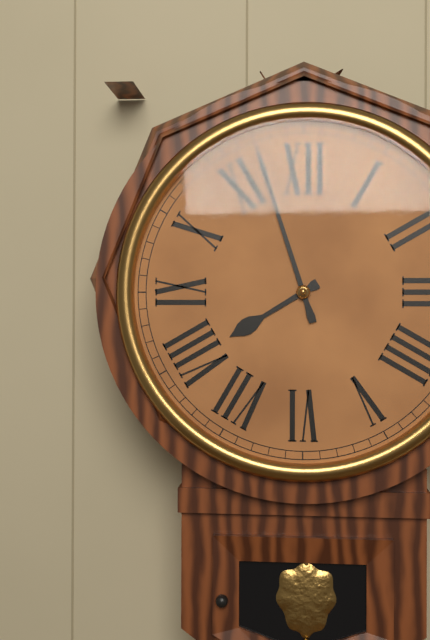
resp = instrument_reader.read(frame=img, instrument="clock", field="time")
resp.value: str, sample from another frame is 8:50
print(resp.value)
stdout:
7:57
